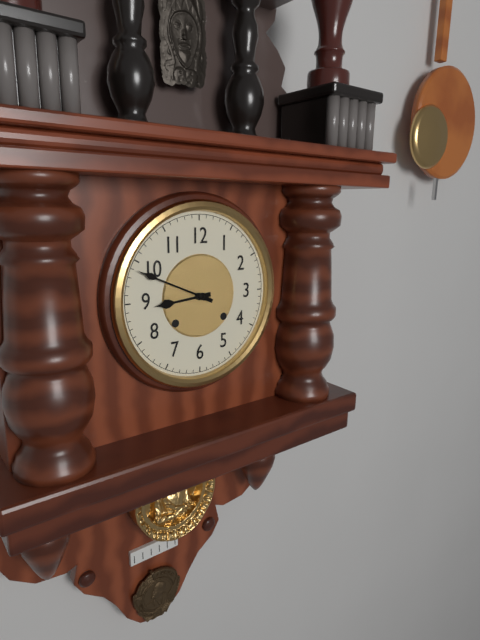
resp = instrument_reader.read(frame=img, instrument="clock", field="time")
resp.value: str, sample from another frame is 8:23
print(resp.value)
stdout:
8:49
